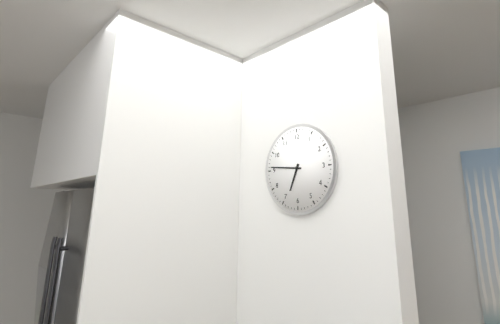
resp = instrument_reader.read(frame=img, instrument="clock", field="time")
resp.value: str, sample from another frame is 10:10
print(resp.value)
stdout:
6:46
